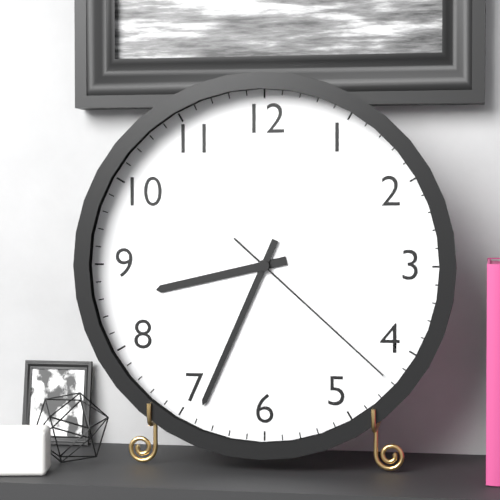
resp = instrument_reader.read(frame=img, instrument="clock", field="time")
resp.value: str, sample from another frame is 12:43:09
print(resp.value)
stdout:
8:34:22
